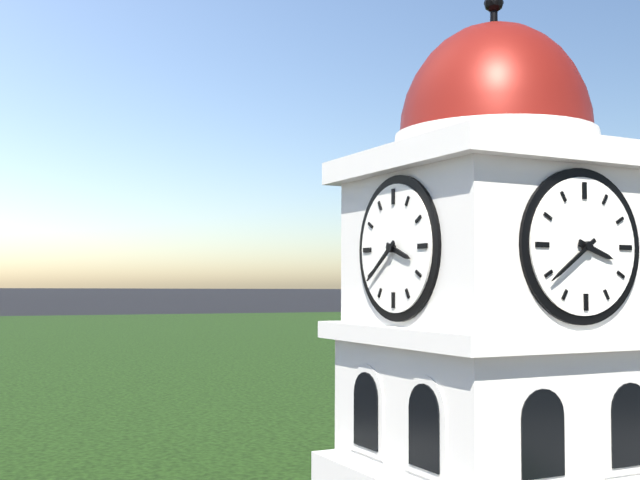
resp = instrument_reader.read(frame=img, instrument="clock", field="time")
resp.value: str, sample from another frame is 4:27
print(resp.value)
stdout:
3:39
